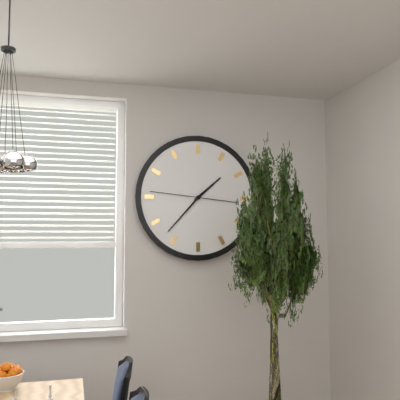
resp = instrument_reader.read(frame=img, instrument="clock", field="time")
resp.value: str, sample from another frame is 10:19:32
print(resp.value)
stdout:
1:37:46
